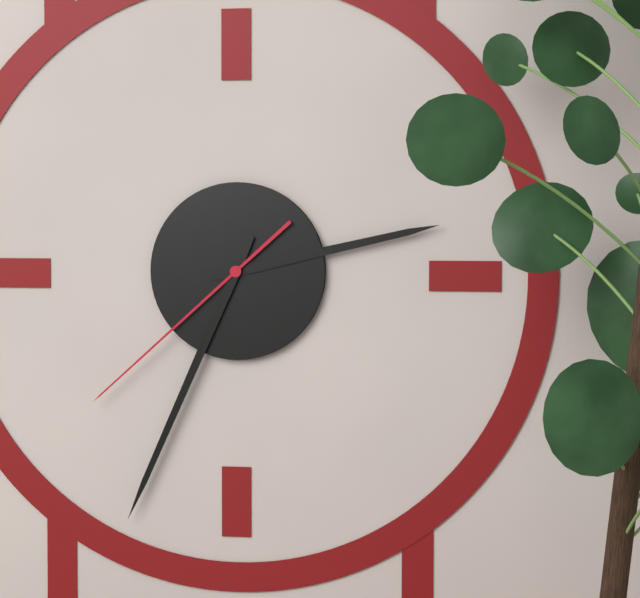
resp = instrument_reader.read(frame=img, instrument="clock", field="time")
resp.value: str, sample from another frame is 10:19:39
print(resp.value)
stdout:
2:34:38
